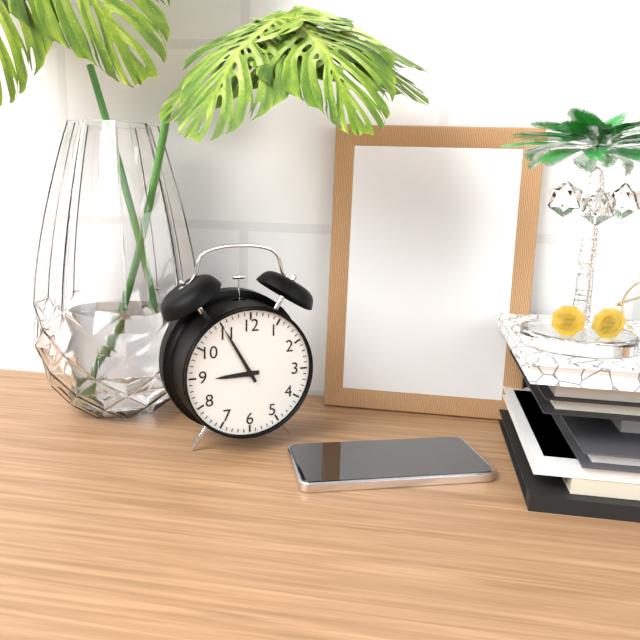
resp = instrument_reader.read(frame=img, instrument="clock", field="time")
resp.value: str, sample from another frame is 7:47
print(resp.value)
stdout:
8:55
